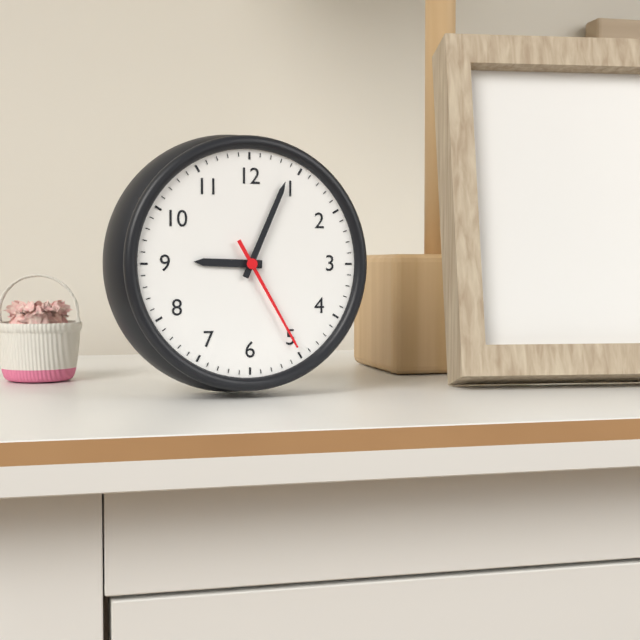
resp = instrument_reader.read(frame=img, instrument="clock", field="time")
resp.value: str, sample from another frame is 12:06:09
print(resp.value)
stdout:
9:04:25
